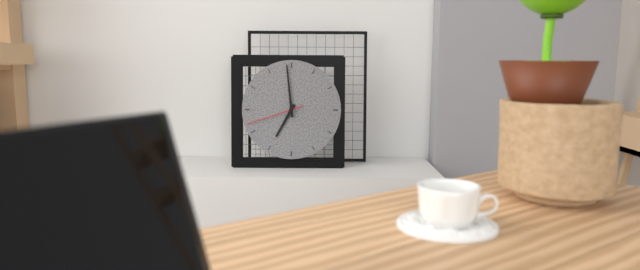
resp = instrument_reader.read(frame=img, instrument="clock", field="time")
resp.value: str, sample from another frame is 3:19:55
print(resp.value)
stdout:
6:59:42
